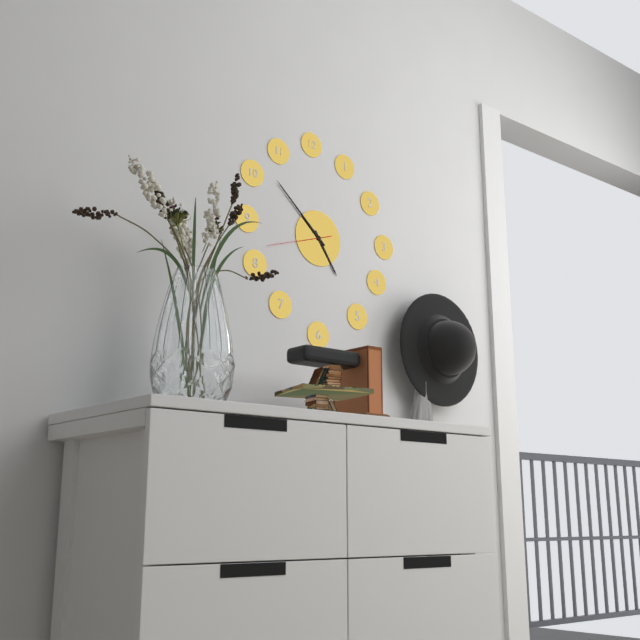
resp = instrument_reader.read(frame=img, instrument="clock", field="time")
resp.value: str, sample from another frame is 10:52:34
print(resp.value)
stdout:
4:52:42
